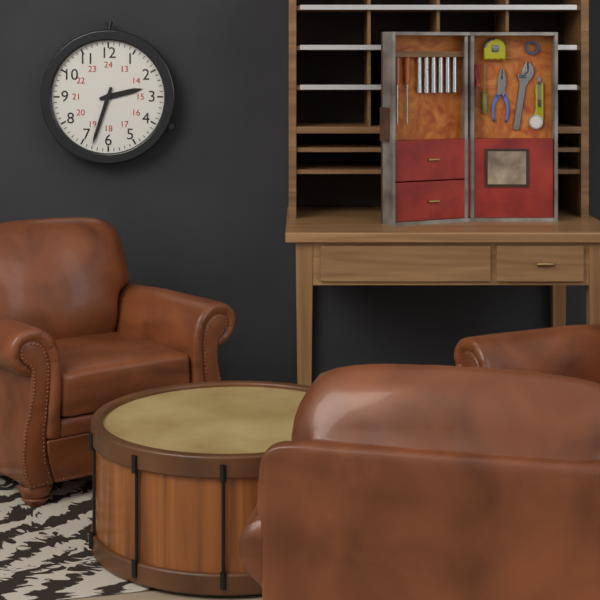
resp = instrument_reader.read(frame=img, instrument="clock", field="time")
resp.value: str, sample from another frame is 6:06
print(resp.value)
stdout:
2:33
